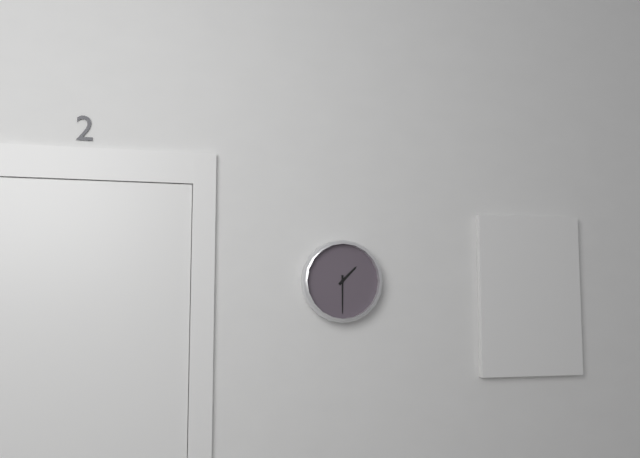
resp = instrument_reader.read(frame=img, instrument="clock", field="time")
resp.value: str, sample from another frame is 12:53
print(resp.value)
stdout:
1:30
